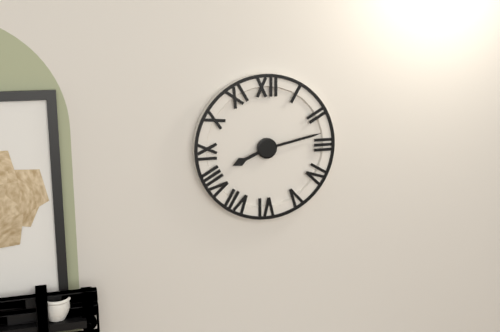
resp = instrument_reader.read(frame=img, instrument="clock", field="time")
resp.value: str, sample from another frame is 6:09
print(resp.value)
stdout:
8:13
